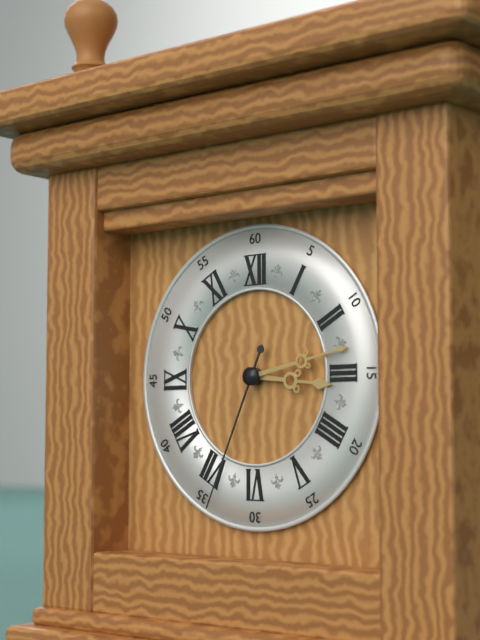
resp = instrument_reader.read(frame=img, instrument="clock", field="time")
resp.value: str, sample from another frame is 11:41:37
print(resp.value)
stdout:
3:13:34
